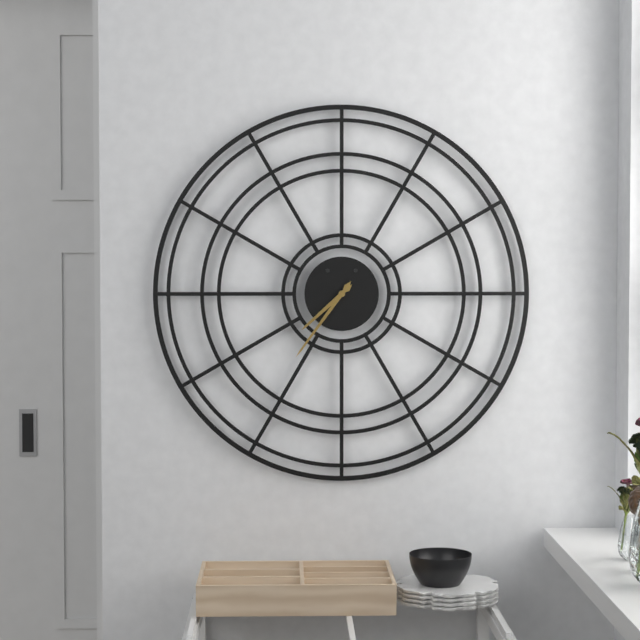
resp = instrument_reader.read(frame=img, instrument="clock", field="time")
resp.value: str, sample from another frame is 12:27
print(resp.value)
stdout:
7:36
